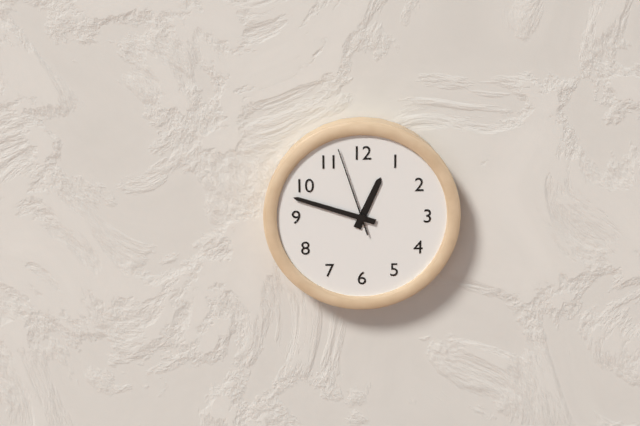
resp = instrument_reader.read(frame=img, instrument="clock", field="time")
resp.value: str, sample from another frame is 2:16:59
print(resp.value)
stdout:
12:48:57
